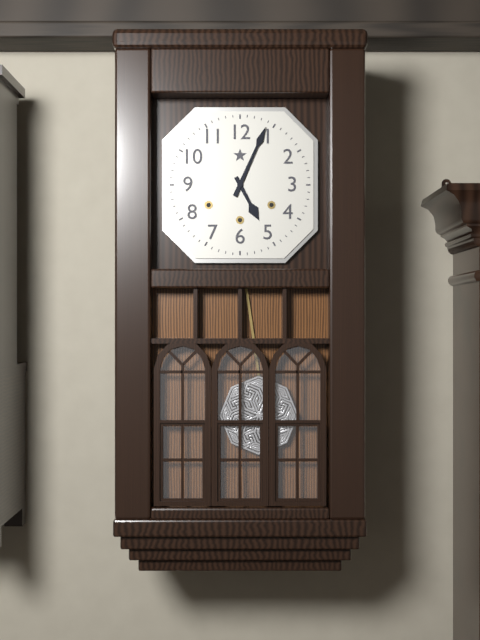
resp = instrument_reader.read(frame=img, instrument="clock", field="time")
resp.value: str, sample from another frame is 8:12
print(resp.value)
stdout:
5:04
